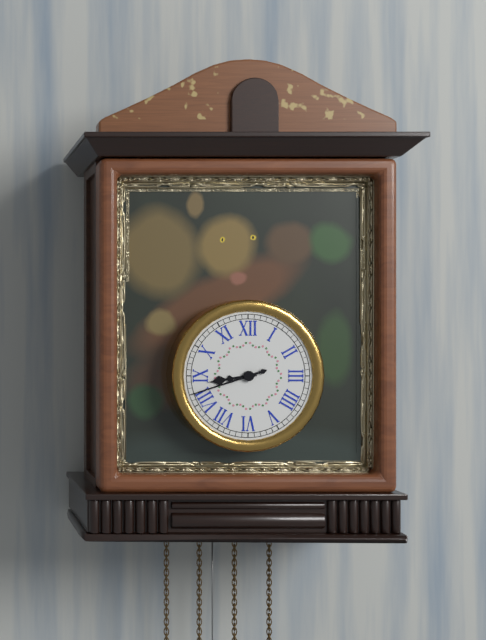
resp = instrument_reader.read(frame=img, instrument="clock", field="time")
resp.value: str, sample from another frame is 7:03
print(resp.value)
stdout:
8:42
